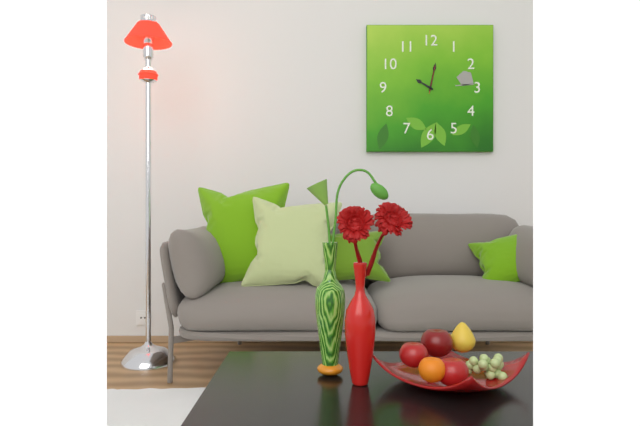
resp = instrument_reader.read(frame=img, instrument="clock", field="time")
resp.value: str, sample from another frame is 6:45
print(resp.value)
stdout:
10:02
